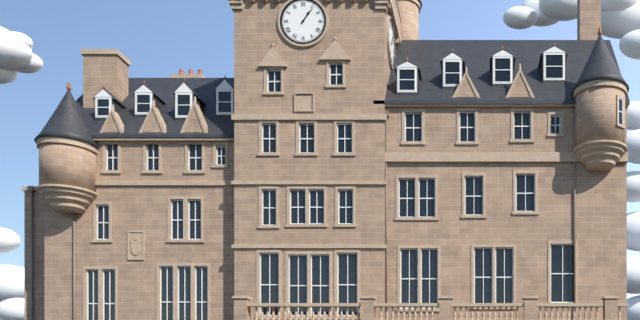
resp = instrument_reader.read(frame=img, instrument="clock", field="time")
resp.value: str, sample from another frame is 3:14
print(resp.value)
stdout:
1:06
